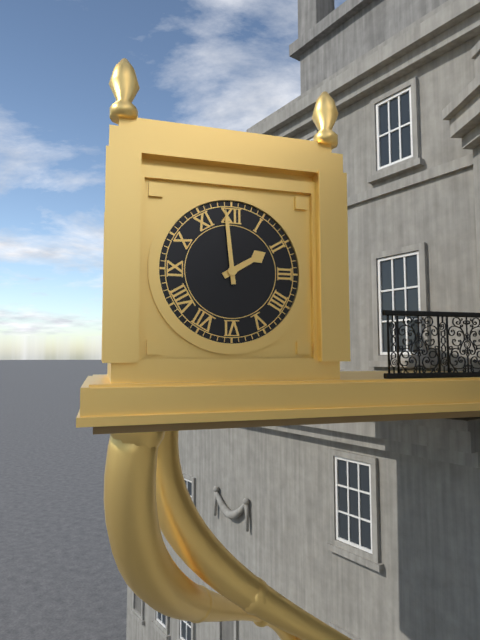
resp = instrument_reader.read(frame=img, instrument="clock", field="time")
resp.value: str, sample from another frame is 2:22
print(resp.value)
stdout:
1:59
